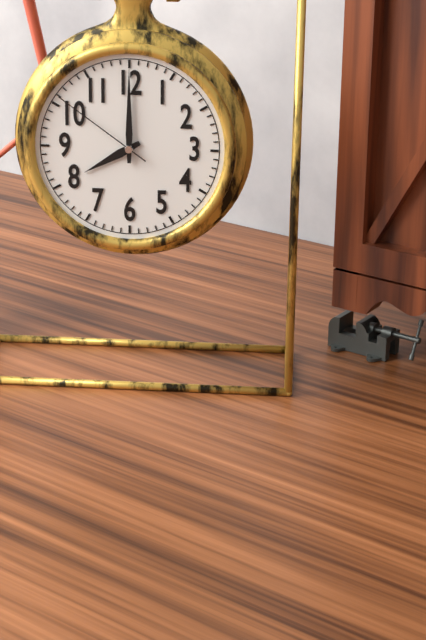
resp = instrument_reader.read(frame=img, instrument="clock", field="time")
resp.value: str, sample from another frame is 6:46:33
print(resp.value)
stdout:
8:00:51
